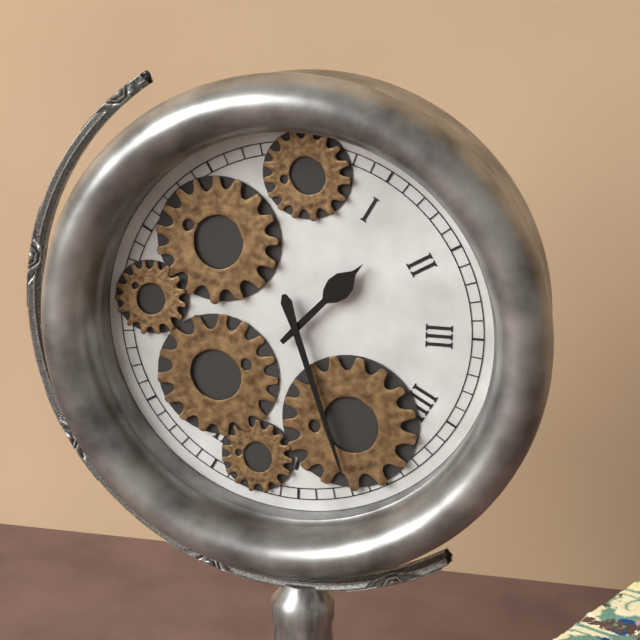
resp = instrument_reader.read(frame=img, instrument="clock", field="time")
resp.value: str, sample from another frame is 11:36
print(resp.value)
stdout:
1:27
